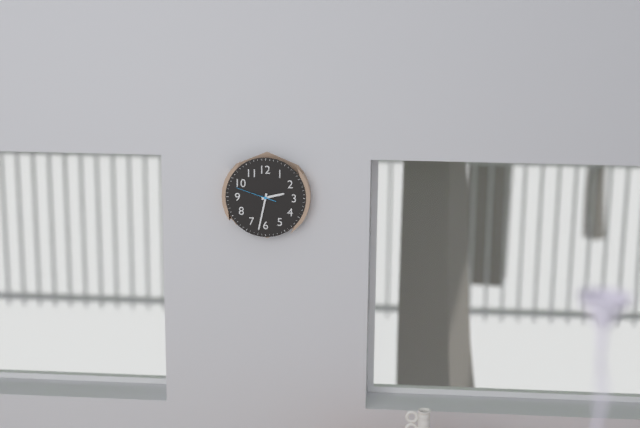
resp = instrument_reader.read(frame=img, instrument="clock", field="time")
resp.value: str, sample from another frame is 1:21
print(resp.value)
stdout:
2:32
